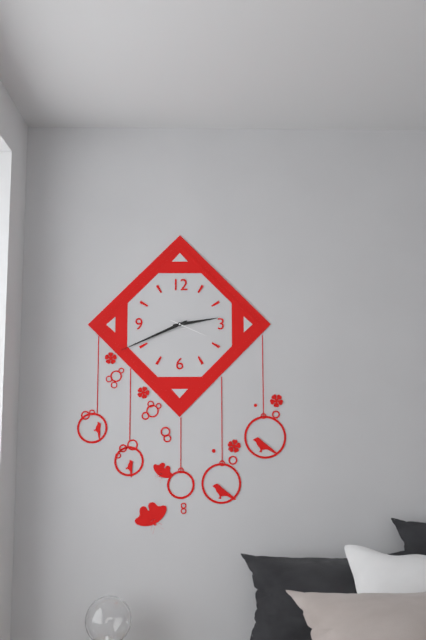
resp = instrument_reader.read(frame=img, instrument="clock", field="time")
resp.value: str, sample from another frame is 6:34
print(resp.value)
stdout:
2:41
